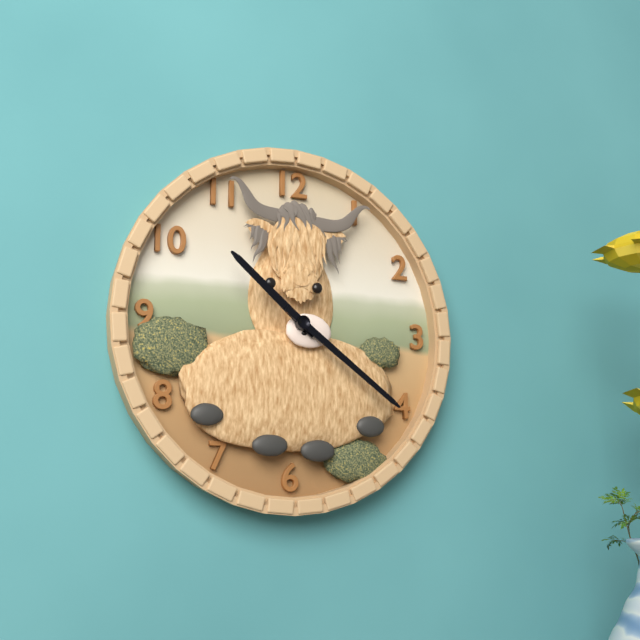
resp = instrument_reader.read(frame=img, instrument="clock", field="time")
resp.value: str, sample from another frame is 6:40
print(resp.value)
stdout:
10:21
